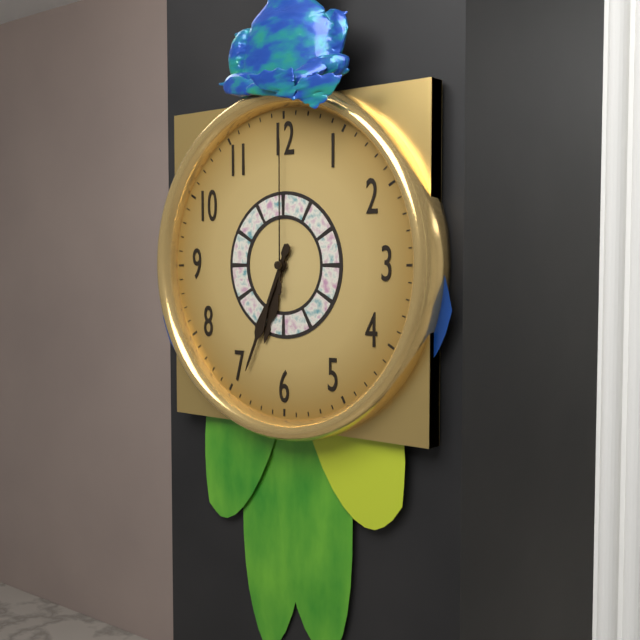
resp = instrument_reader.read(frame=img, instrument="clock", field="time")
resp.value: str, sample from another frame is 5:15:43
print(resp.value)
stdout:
6:34:00
